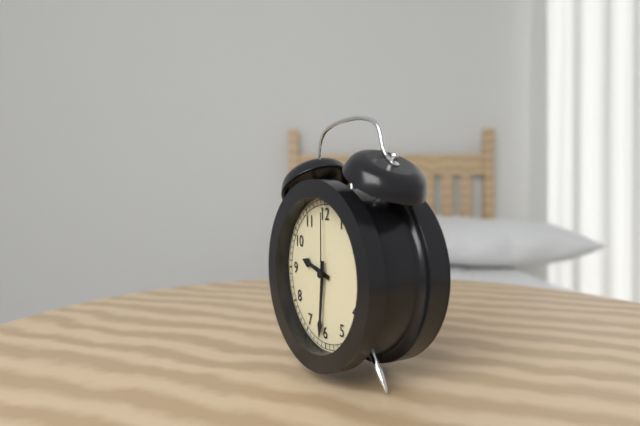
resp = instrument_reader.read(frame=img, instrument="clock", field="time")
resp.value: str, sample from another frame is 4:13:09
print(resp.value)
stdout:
9:31:00
